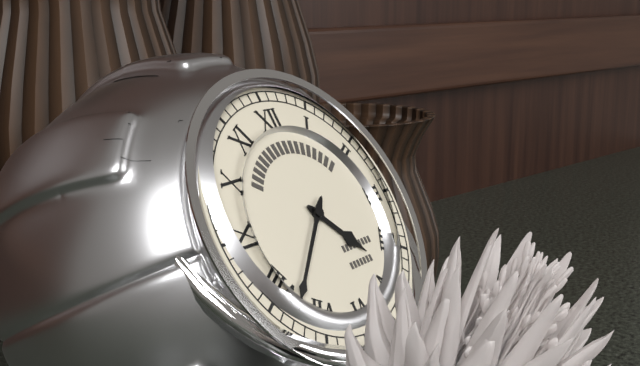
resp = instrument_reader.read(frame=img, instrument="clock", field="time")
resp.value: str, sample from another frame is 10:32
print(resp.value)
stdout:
4:38
